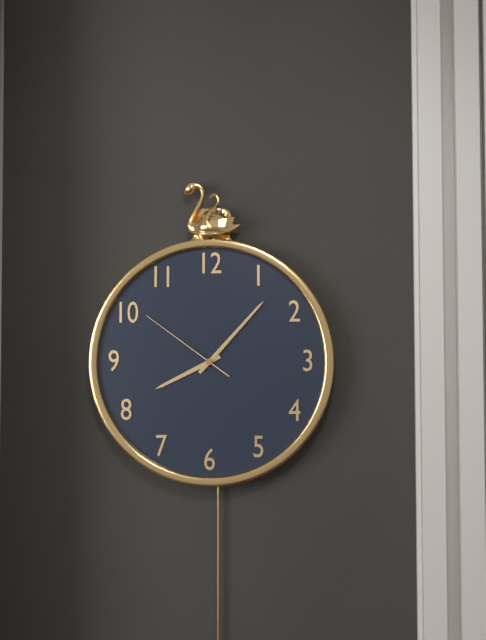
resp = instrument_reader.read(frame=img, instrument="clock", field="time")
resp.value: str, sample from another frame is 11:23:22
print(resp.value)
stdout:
8:07:51
